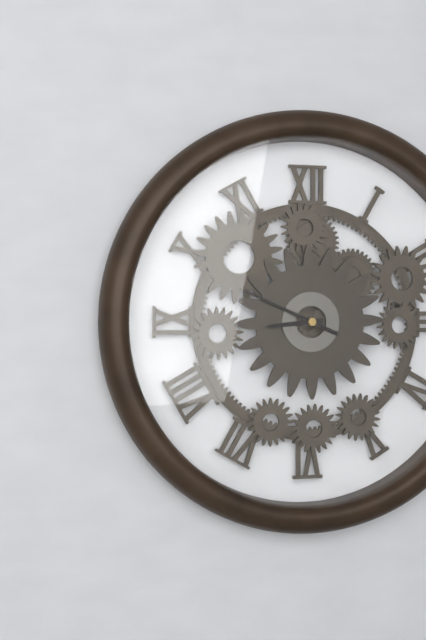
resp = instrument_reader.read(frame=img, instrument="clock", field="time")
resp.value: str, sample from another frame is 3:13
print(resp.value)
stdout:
8:49
